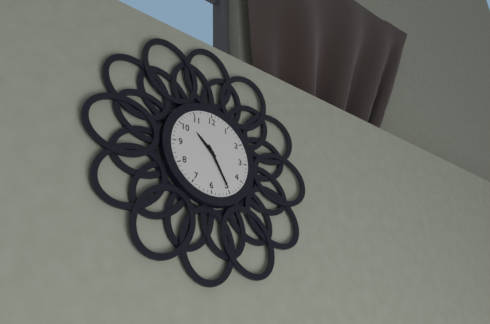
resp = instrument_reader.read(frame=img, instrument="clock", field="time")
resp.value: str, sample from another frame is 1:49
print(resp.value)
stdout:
10:25
